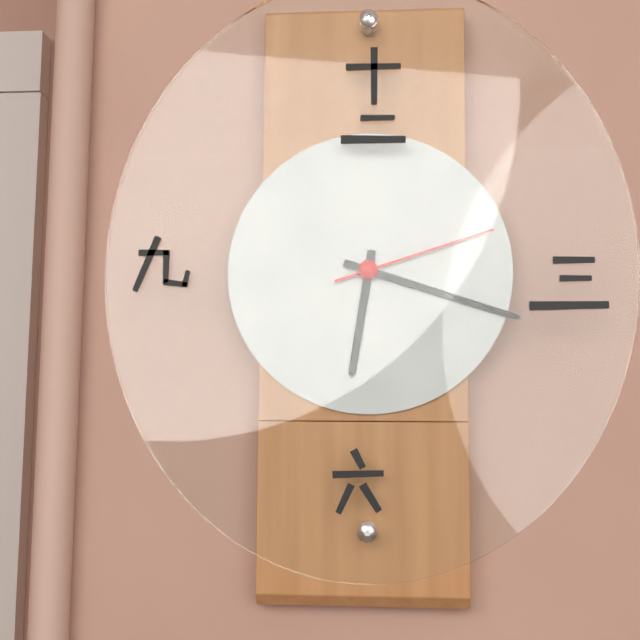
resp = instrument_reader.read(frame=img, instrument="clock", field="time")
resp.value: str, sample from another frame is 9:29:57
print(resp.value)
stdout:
6:18:12
